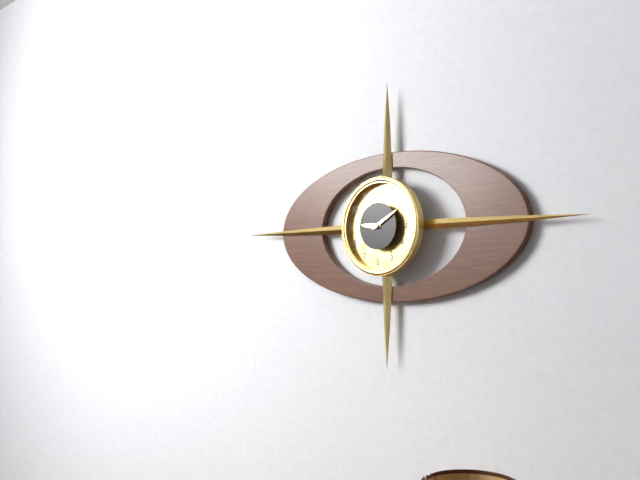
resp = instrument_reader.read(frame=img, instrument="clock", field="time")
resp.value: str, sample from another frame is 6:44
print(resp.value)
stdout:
9:10
